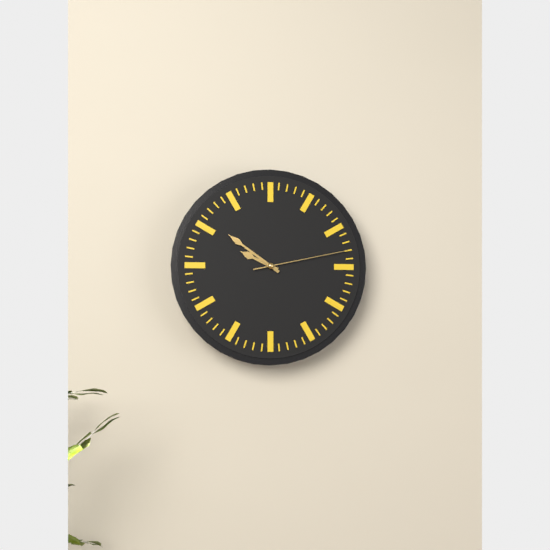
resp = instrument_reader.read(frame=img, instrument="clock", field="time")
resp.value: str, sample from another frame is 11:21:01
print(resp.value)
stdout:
9:51:13
